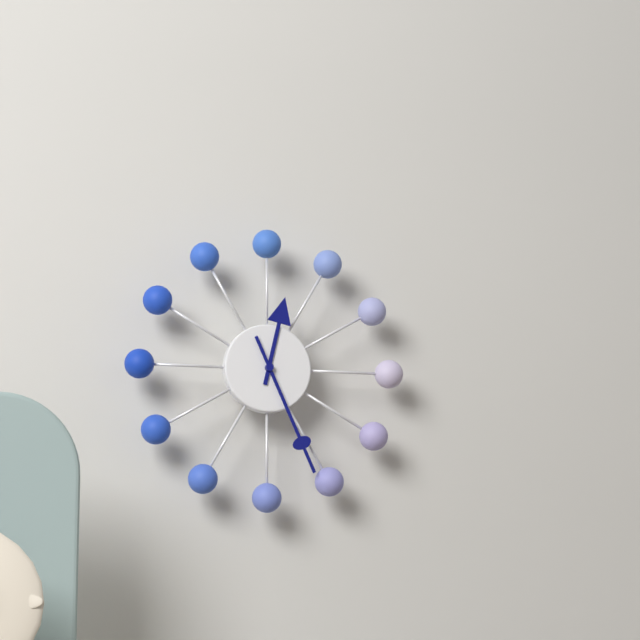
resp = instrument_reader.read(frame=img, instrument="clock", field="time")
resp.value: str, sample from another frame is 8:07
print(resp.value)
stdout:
12:26
